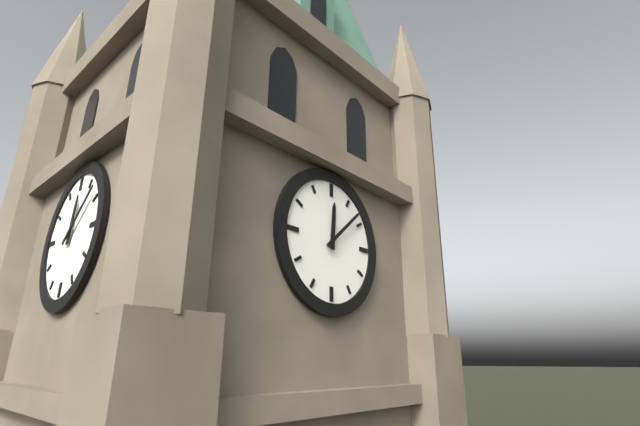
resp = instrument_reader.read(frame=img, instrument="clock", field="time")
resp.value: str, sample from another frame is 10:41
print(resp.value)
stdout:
12:08
